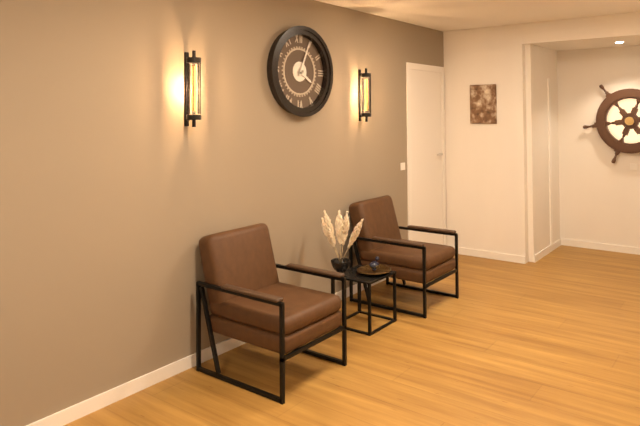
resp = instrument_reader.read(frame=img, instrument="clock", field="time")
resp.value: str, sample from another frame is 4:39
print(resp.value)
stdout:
4:04
